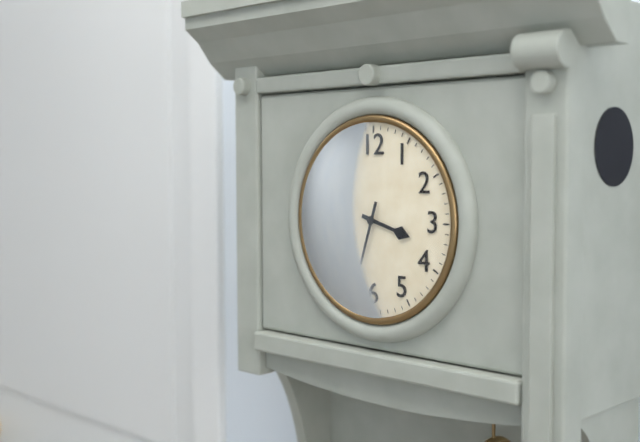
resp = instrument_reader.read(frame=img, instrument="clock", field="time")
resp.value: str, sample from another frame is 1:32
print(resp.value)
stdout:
3:33
